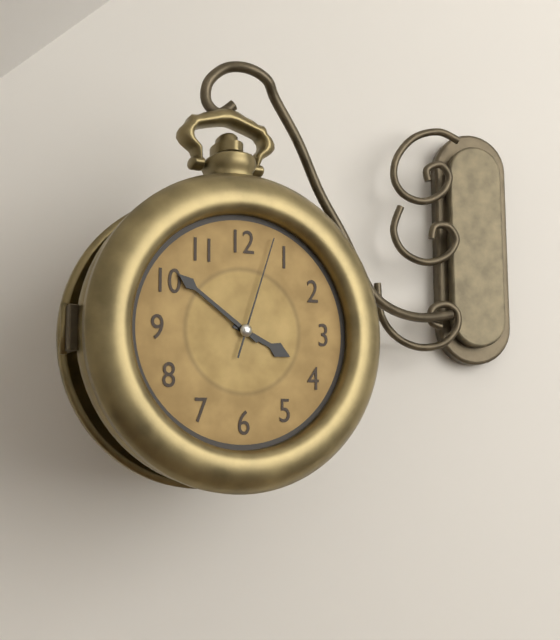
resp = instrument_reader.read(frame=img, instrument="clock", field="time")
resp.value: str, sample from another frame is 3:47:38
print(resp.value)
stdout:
3:51:03
